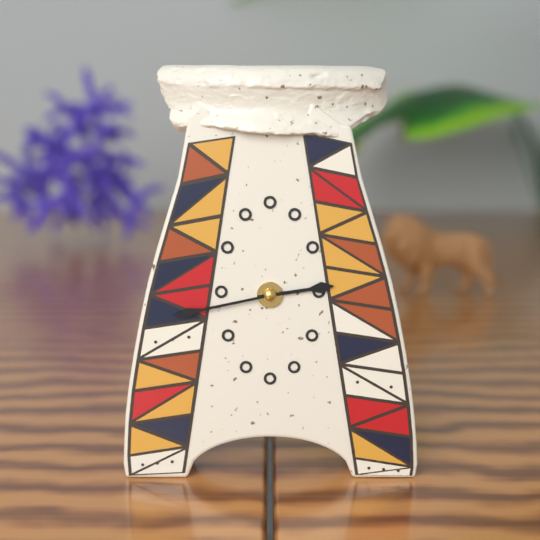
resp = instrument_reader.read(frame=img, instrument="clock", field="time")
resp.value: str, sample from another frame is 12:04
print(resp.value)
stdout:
2:43
